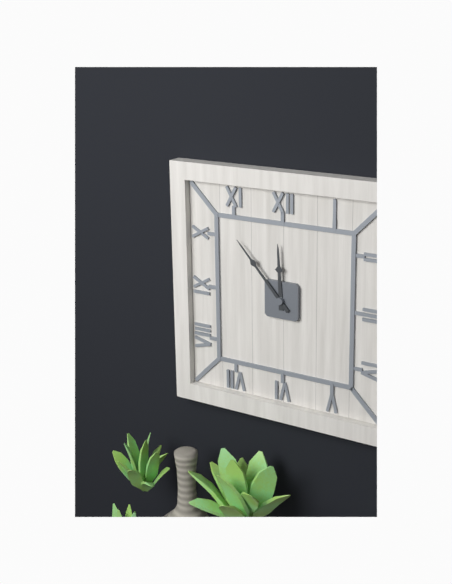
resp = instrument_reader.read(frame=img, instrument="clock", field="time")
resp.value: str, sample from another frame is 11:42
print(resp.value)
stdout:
11:53
